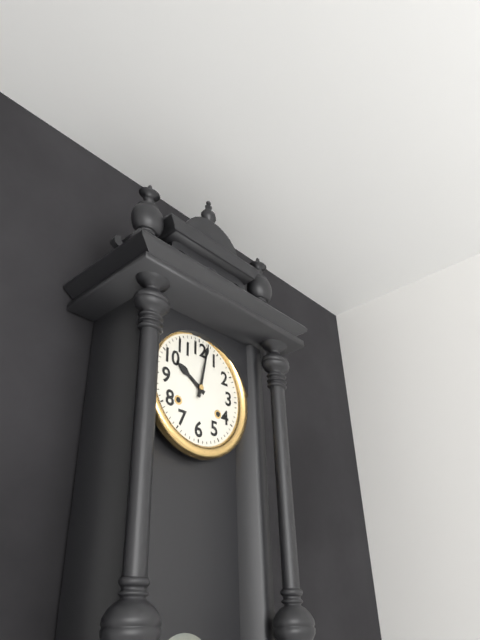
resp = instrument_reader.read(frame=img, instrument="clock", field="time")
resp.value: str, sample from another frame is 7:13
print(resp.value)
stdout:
10:02
